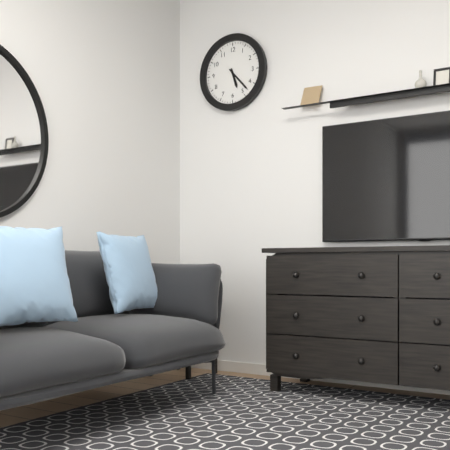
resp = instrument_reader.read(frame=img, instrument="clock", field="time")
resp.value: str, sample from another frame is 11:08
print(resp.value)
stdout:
5:23
